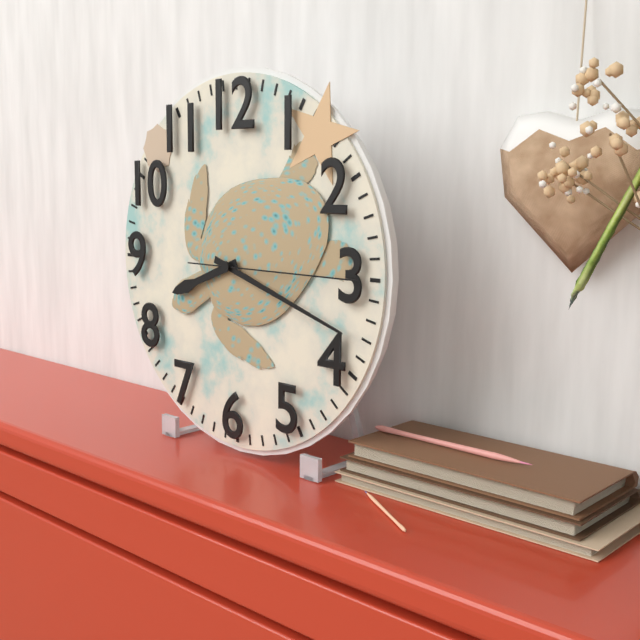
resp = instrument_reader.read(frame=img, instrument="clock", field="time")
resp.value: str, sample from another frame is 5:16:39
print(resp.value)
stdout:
8:18:15
